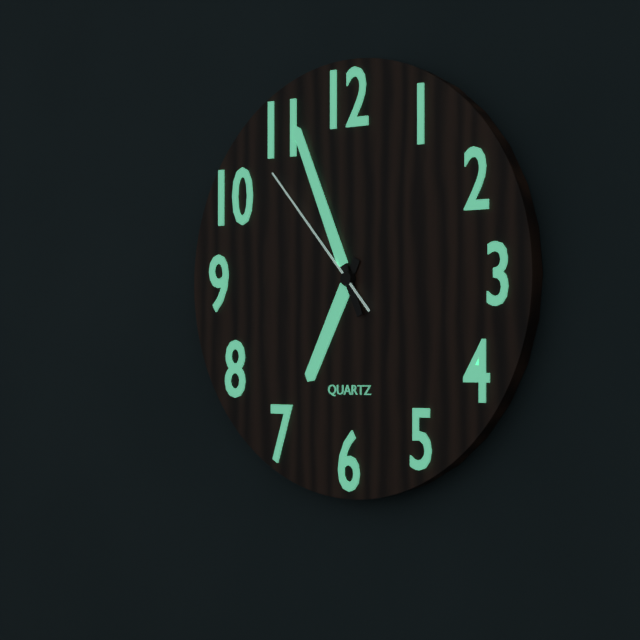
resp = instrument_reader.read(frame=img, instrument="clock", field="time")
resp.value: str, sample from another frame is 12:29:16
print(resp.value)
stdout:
6:56:53
